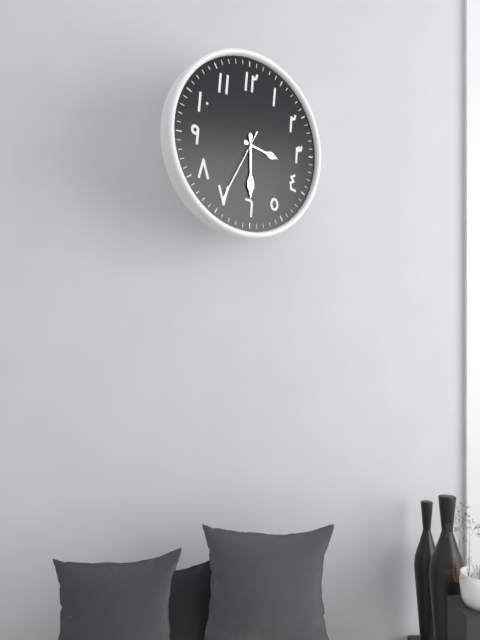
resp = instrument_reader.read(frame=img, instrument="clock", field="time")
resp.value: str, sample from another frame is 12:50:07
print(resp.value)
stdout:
3:30:35
